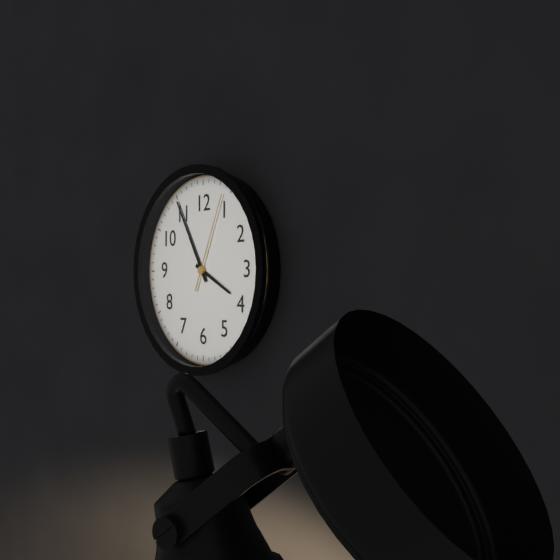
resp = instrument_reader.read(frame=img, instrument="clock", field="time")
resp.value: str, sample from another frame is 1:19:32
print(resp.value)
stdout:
3:55:04
